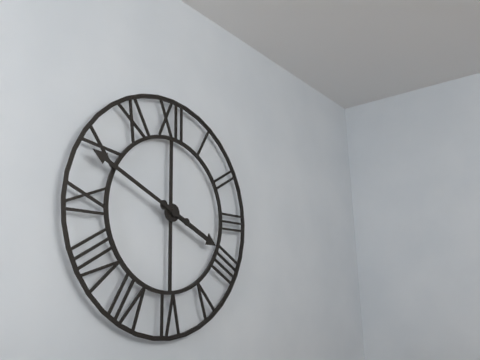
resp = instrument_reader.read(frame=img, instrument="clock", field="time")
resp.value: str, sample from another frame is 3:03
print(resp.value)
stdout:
3:49
